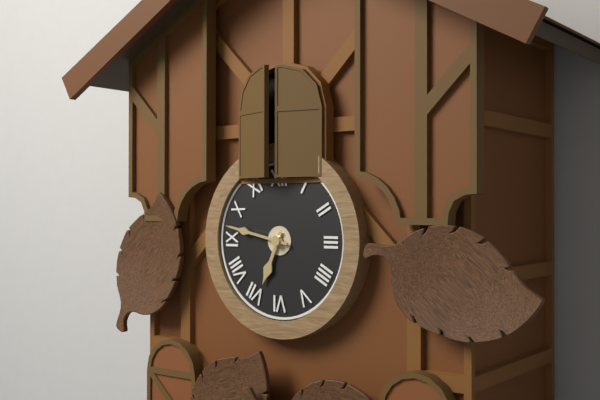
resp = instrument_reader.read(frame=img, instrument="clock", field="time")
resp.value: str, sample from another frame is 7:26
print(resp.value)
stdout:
6:47
